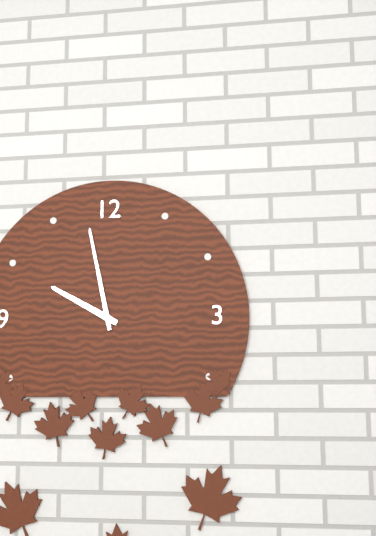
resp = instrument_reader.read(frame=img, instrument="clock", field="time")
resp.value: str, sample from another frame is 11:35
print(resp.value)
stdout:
9:58
